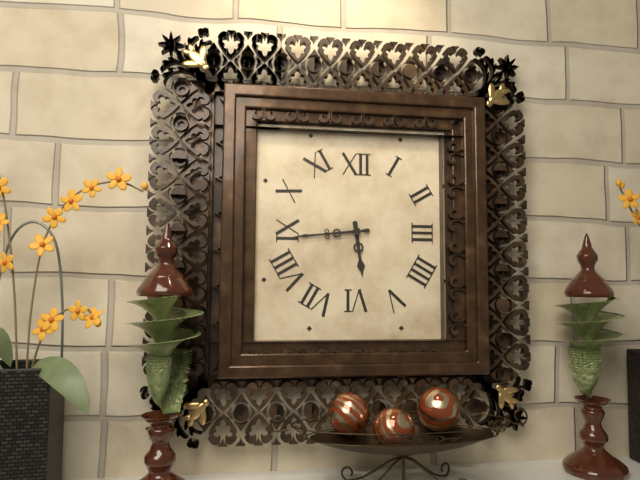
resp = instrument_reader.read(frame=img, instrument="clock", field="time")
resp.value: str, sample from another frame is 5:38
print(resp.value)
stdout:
5:44
